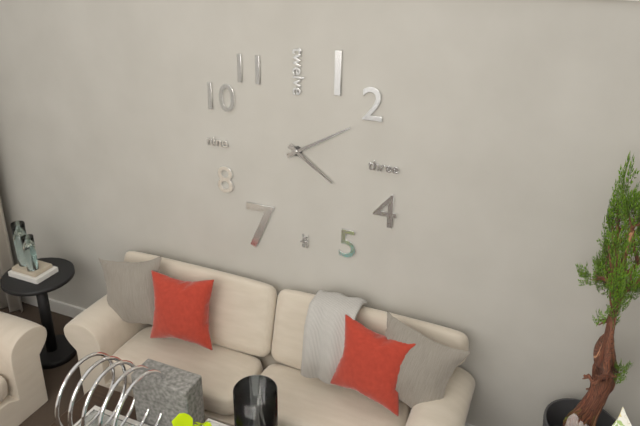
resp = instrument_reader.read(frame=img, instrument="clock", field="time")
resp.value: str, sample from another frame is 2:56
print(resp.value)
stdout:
4:10
